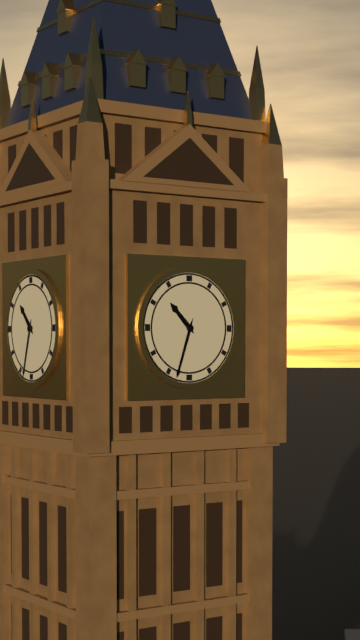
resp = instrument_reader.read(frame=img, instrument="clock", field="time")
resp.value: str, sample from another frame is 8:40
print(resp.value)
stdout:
10:33
